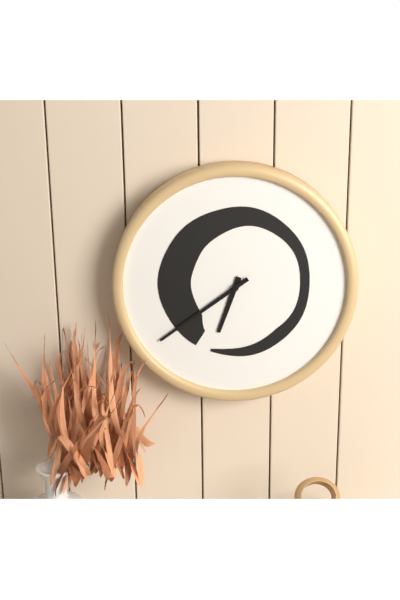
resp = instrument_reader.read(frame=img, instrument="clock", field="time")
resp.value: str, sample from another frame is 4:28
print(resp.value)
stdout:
6:39
